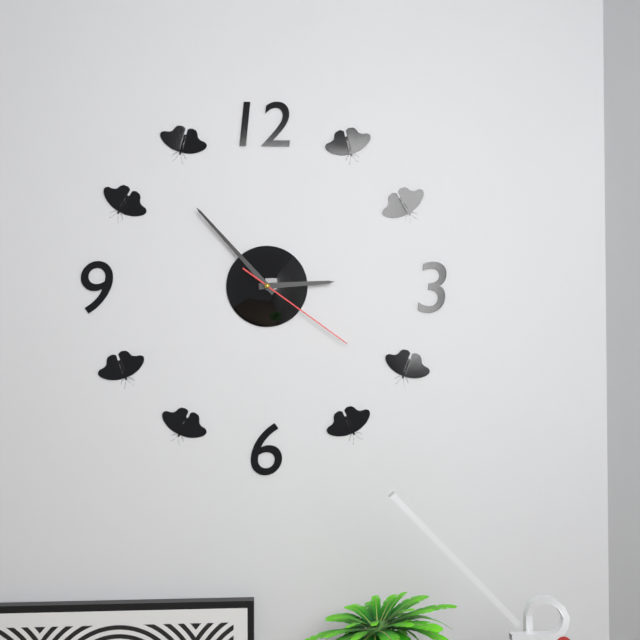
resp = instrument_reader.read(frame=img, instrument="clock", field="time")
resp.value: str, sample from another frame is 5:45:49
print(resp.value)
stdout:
2:53:21
